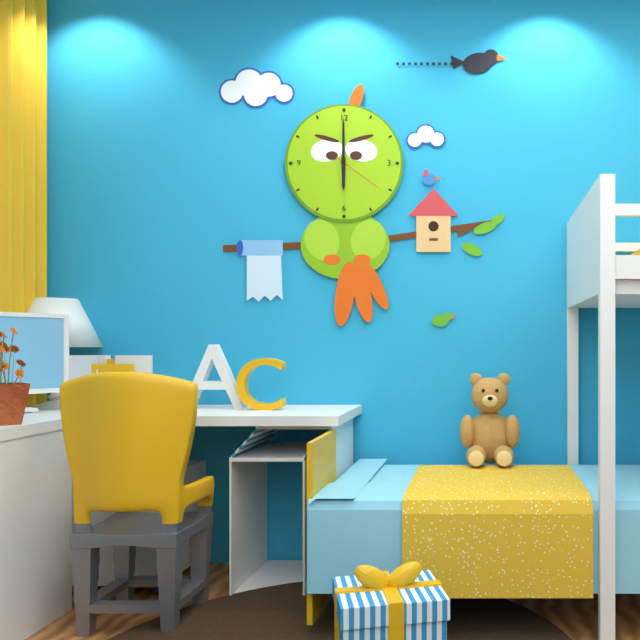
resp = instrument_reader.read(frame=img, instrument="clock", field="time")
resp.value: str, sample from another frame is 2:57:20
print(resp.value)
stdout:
6:00:21
